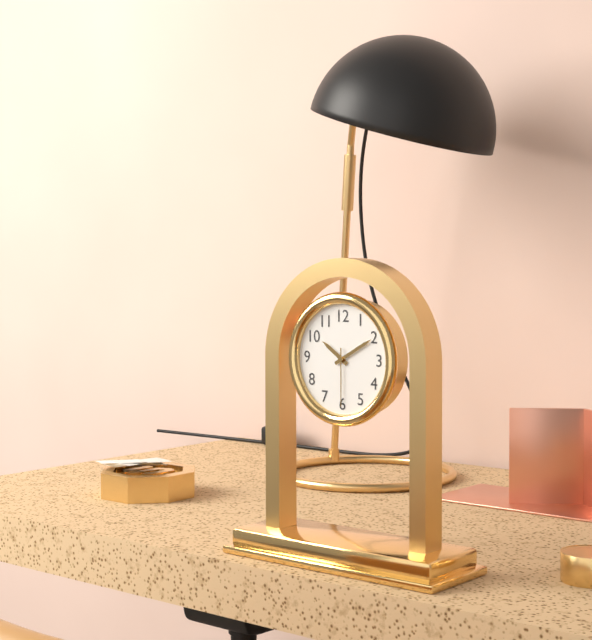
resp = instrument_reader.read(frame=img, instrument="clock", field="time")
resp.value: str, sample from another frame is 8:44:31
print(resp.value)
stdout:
10:10:30
